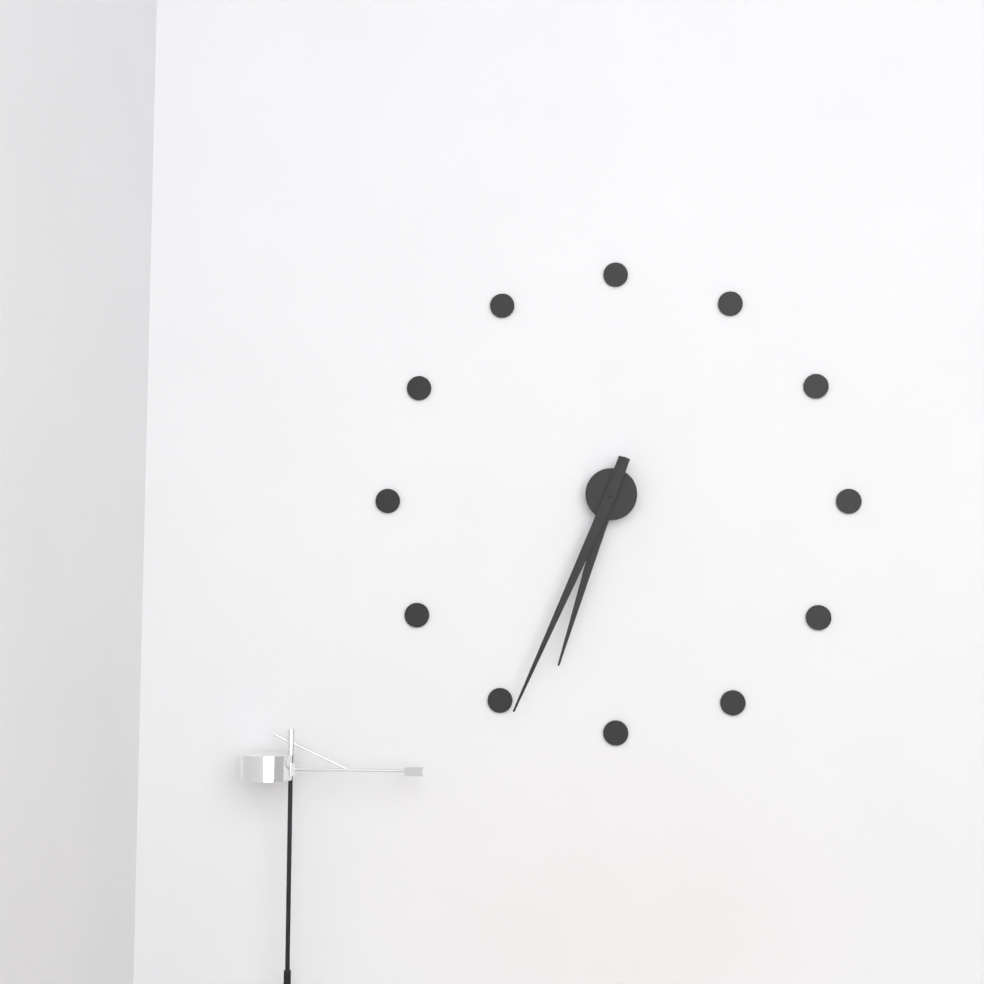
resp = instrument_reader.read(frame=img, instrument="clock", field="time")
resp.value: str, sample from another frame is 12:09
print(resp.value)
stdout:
6:34
